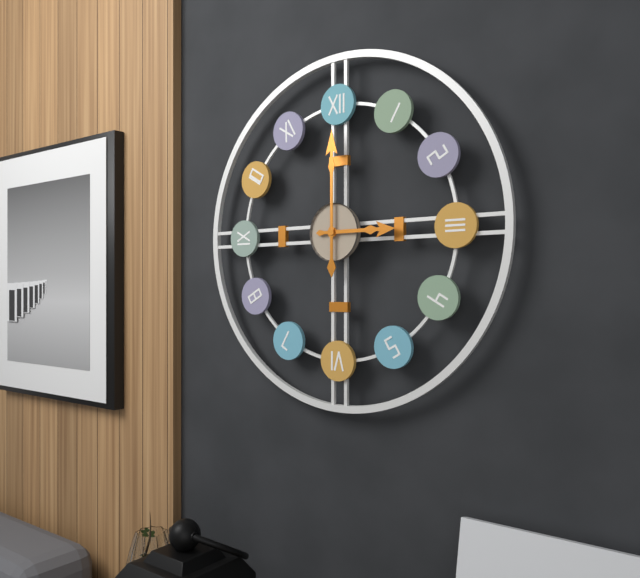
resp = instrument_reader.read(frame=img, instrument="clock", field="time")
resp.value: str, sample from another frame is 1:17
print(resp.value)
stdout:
3:00
